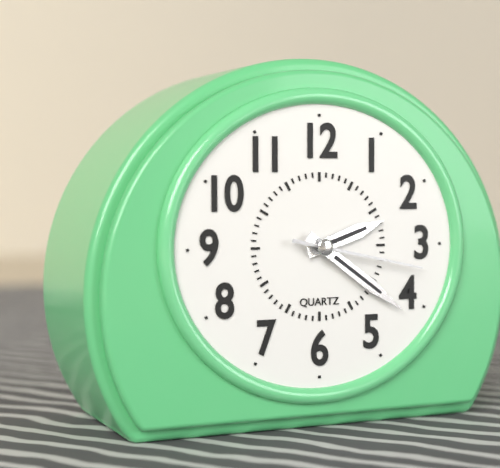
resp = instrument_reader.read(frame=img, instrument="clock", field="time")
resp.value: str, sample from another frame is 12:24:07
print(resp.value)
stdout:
2:21:17
